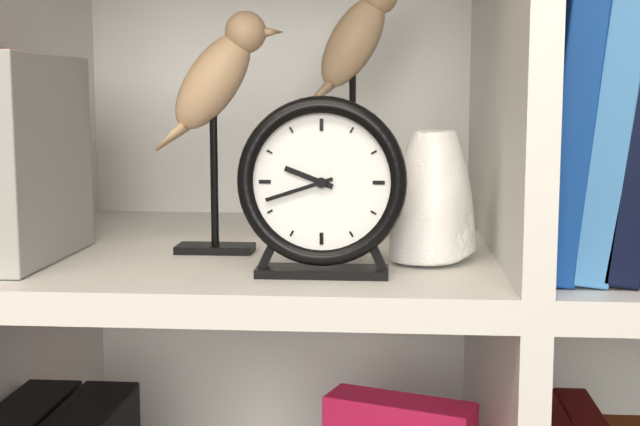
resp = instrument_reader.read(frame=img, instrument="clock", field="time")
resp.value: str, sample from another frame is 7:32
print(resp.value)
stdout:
9:42
